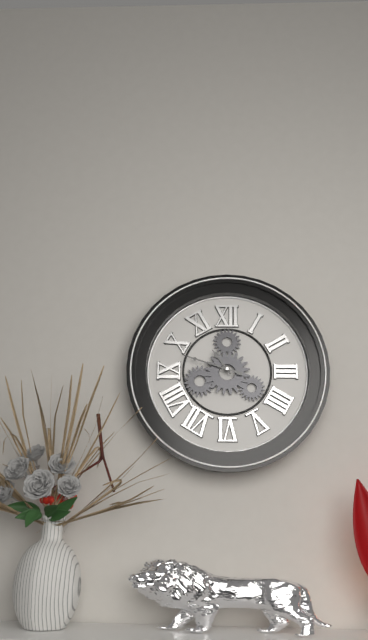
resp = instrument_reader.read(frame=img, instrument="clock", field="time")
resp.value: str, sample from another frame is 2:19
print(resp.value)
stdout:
10:48
